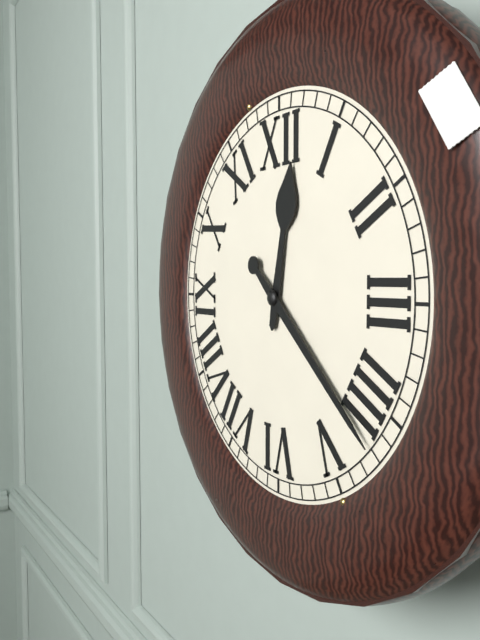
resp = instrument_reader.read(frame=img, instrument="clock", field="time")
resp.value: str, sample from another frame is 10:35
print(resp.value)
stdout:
12:22
